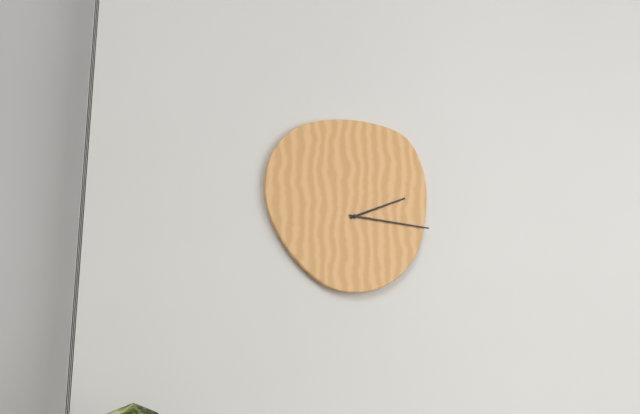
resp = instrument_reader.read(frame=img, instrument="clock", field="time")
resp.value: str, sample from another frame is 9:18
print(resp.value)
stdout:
2:16
